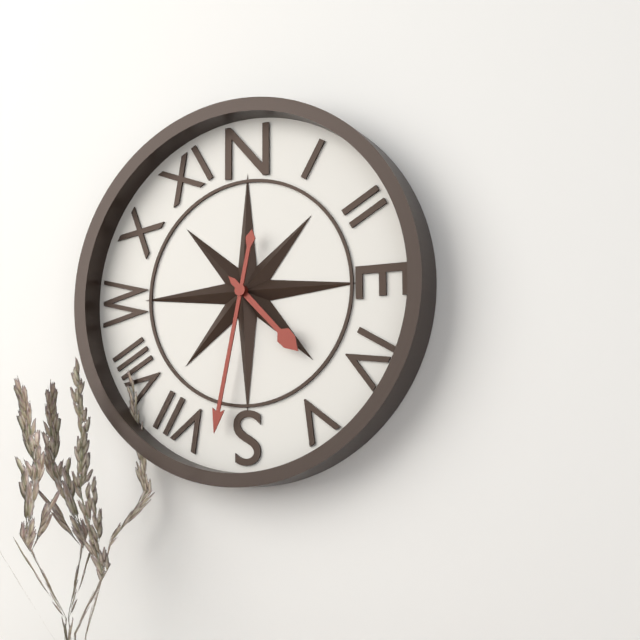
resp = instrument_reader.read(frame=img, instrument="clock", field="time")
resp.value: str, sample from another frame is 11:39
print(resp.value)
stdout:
4:32
